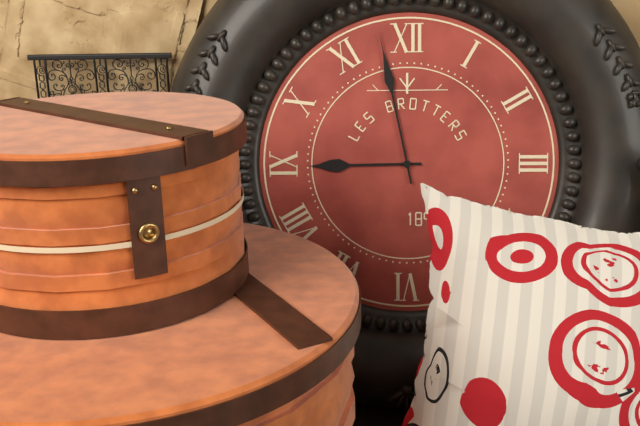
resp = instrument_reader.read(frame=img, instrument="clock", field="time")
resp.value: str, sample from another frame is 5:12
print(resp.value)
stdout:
8:58
